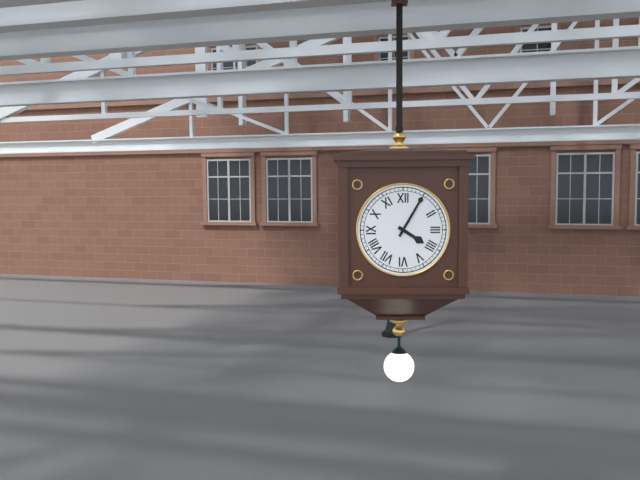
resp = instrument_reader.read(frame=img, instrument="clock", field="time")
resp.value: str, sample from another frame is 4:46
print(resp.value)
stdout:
4:05
